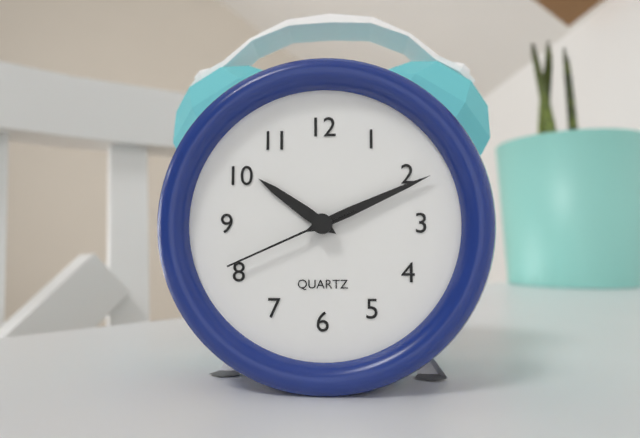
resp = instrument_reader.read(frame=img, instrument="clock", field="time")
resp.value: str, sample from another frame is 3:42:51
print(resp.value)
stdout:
10:11:41
